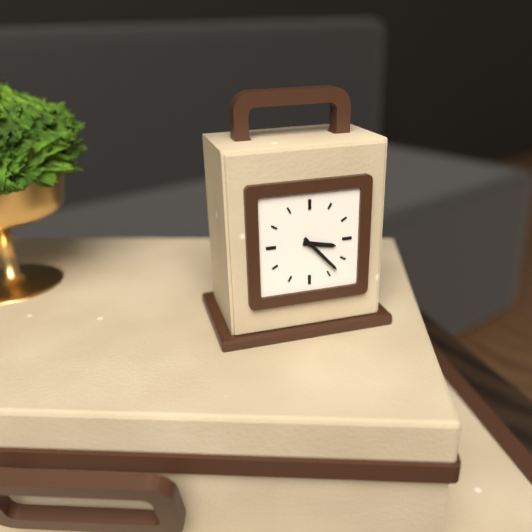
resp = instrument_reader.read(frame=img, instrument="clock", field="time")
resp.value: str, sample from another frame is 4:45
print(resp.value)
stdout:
3:23
